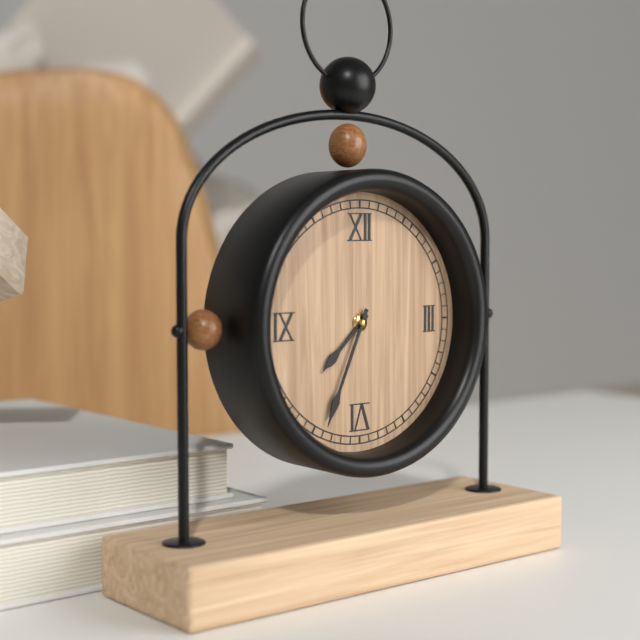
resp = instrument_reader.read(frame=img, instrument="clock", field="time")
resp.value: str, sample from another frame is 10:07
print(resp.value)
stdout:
7:34
